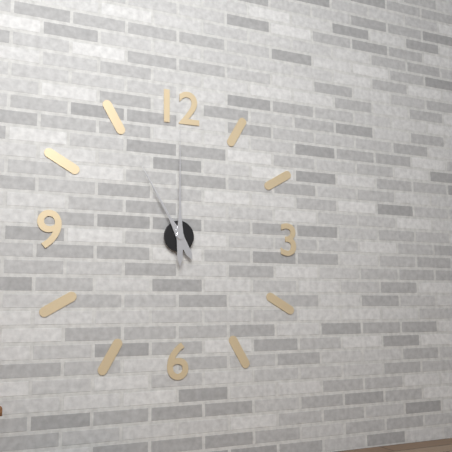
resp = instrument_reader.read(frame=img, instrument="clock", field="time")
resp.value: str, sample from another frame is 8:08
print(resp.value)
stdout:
11:00
